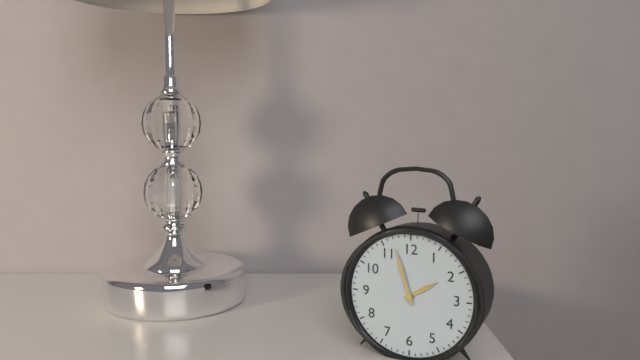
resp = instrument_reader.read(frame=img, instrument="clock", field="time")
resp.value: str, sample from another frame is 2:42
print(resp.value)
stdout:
1:57
